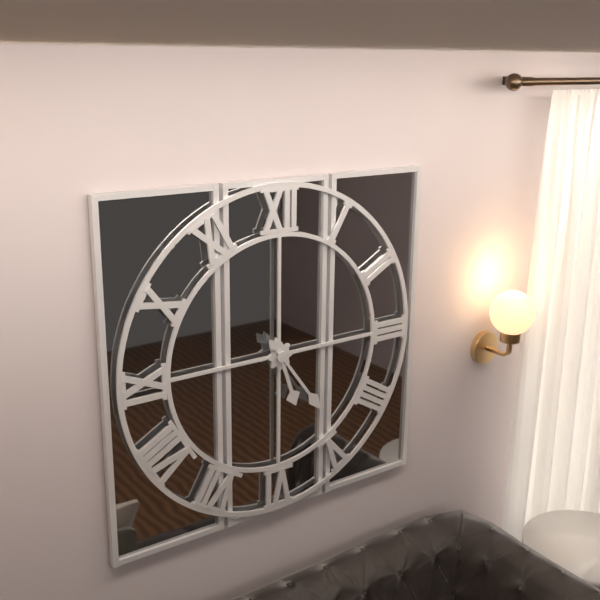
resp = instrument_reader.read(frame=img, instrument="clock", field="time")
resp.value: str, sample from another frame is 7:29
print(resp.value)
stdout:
5:24
